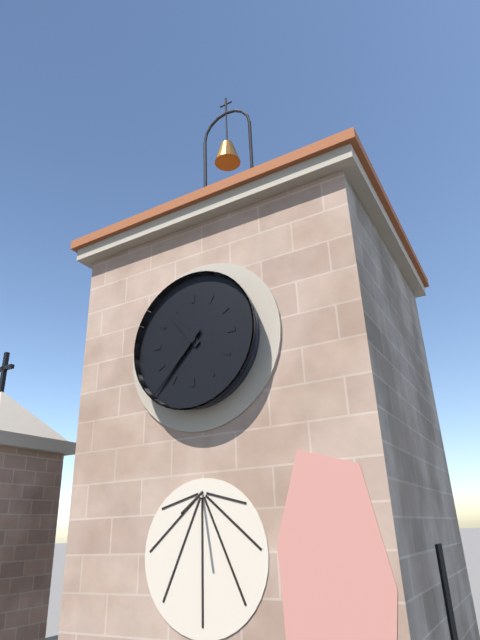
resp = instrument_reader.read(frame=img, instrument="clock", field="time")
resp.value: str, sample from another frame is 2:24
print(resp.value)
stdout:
10:37
